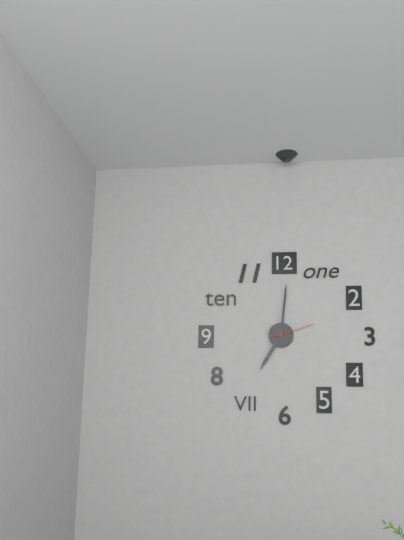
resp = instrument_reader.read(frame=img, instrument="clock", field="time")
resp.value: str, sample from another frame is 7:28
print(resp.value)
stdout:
7:01
